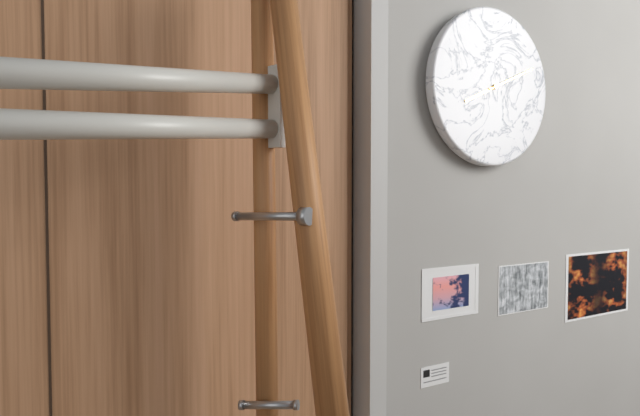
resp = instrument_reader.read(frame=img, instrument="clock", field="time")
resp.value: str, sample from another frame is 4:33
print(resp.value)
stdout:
8:11
